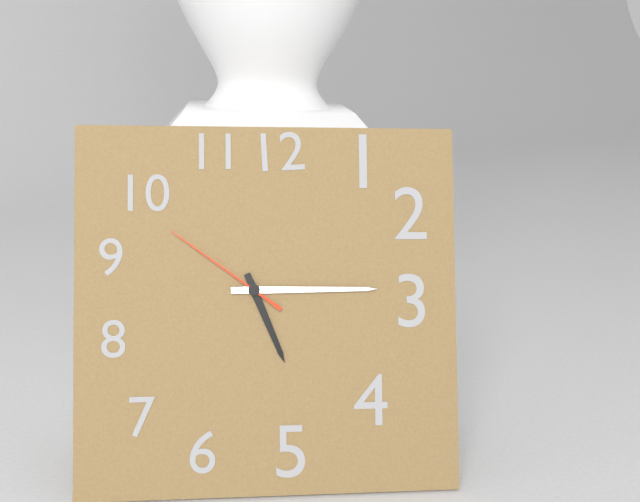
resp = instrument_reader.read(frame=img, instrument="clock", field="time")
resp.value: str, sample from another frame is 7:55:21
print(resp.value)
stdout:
5:15:51
